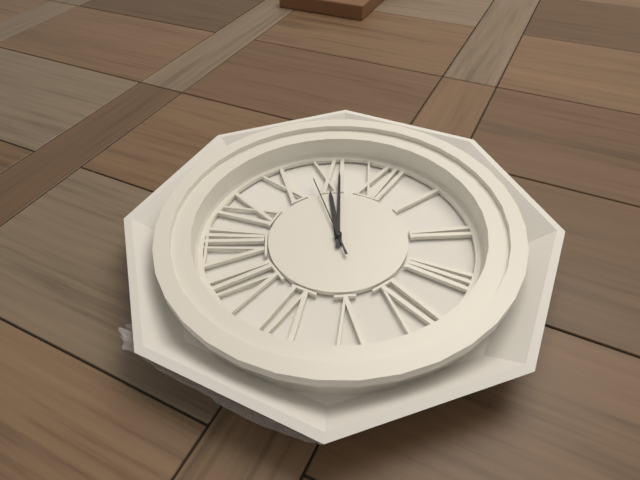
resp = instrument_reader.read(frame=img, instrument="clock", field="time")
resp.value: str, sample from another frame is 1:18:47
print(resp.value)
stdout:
10:56:53
